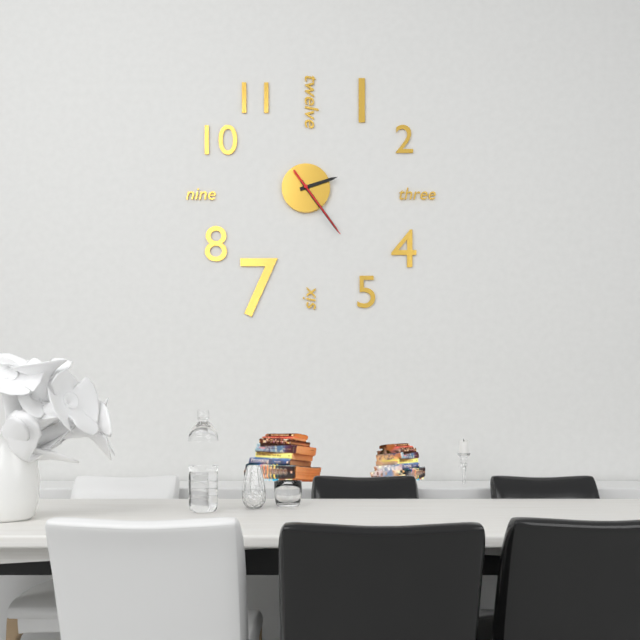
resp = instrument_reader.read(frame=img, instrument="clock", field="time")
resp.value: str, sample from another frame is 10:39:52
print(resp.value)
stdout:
2:24:24
